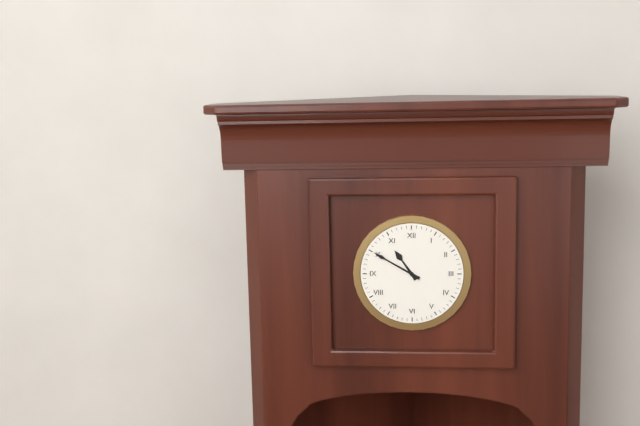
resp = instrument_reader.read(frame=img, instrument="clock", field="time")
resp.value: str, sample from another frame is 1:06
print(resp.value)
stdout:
10:50
